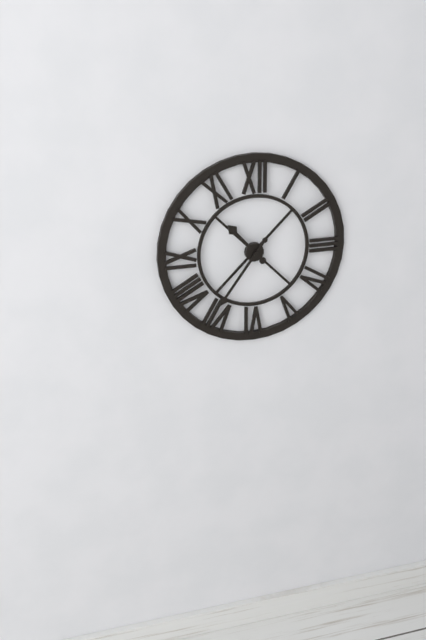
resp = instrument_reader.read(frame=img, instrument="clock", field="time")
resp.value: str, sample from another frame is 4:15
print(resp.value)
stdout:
10:36
